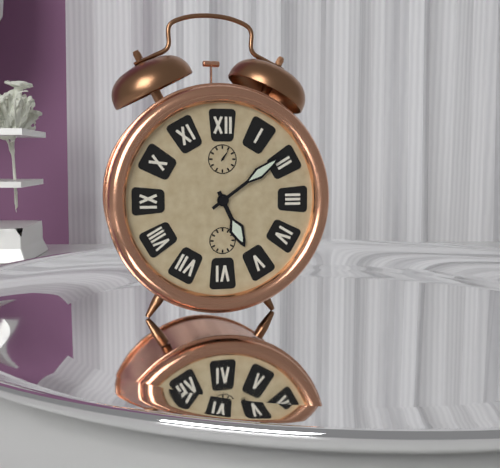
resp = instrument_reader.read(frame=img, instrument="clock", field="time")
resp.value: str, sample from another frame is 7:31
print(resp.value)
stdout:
5:09
